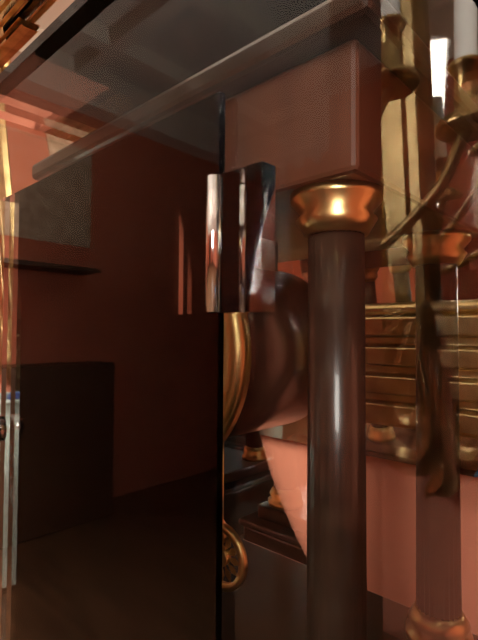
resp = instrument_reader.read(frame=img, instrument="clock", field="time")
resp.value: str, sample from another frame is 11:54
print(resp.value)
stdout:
5:14
